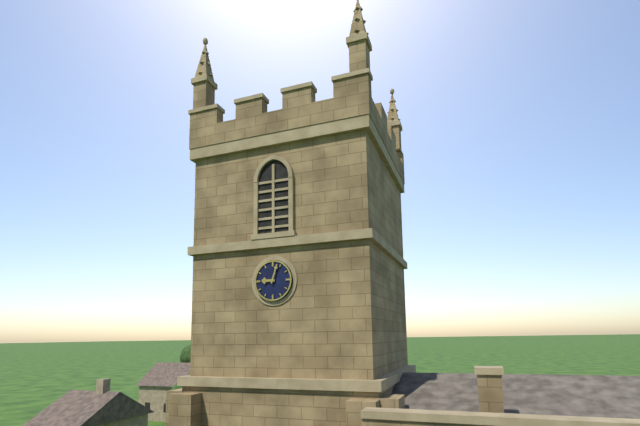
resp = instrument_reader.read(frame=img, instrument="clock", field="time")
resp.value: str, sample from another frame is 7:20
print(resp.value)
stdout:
9:03
